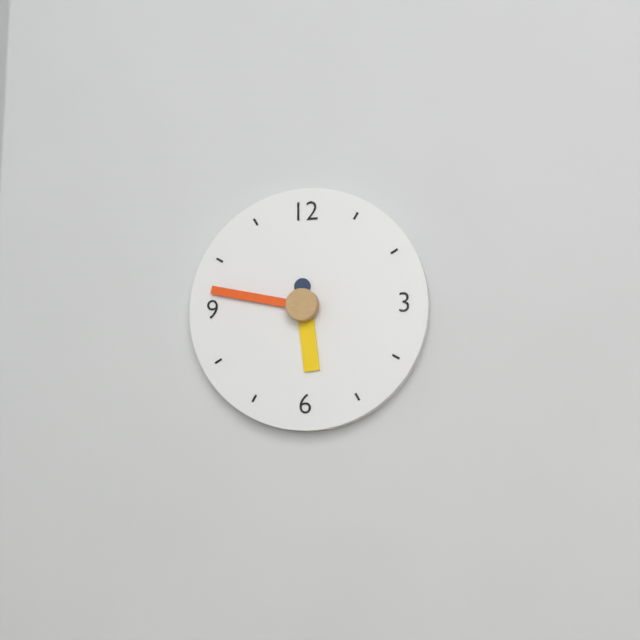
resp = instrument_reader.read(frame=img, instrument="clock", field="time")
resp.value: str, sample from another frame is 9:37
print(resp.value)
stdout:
5:47
